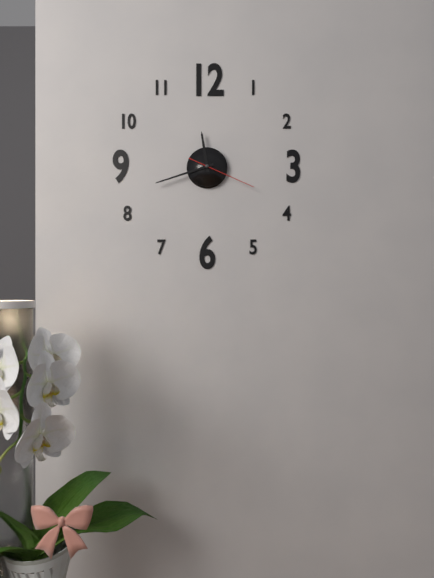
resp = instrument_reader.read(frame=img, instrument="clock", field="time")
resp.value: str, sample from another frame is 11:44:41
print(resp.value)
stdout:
11:42:19
